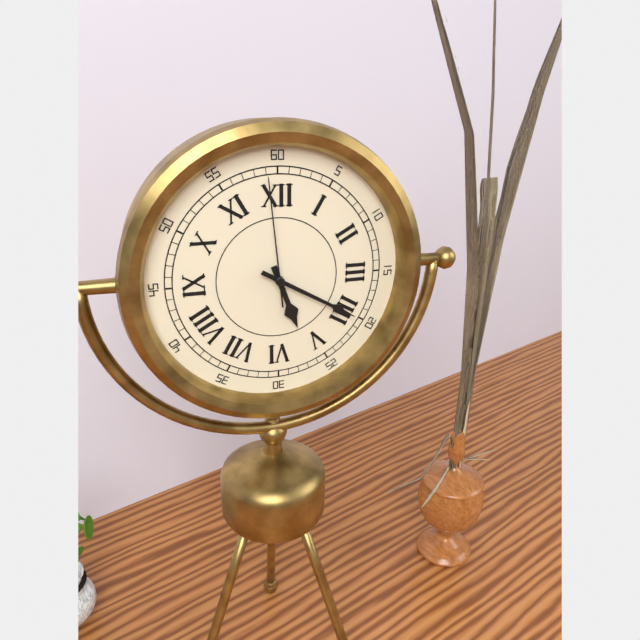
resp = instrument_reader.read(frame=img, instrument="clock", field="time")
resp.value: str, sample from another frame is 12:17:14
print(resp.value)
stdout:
5:20:59
